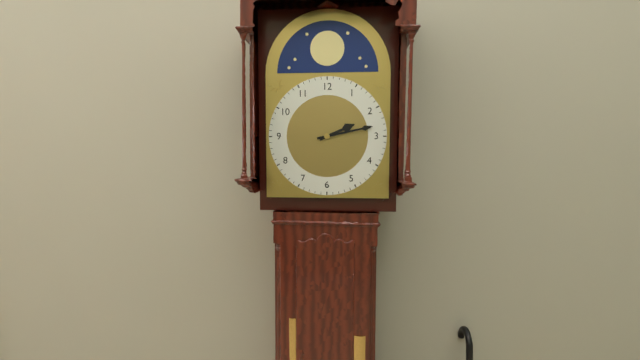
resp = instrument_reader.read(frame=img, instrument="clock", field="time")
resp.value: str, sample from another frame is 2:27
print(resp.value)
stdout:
2:13
